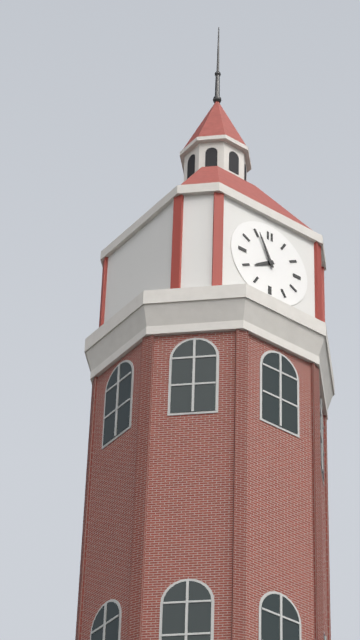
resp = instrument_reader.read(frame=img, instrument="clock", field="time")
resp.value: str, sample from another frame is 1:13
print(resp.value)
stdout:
7:56
